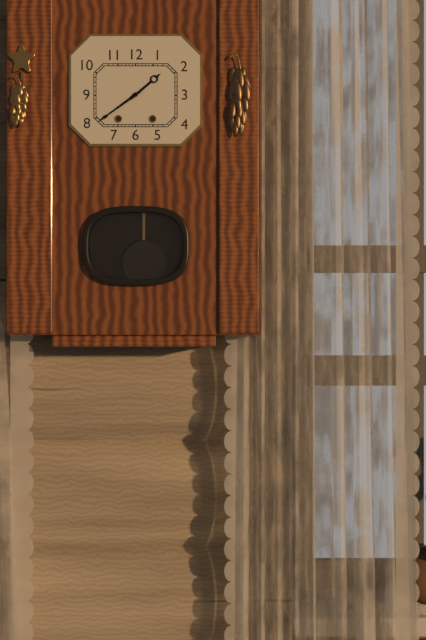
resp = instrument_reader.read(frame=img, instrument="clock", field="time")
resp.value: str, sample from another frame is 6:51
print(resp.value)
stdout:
1:39
